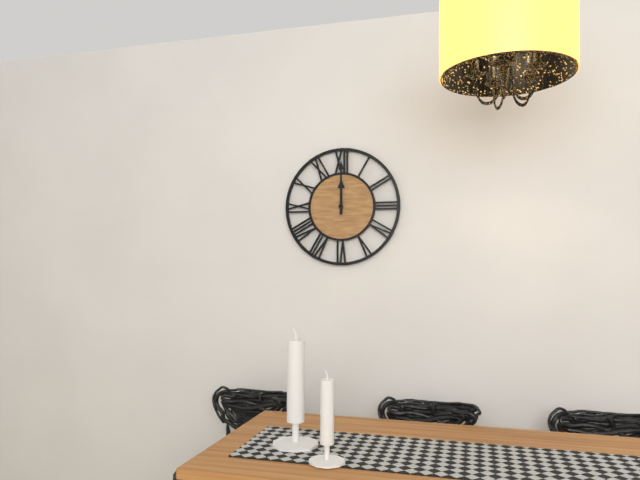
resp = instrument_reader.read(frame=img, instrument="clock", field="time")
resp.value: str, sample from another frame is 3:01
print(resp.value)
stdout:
12:00
